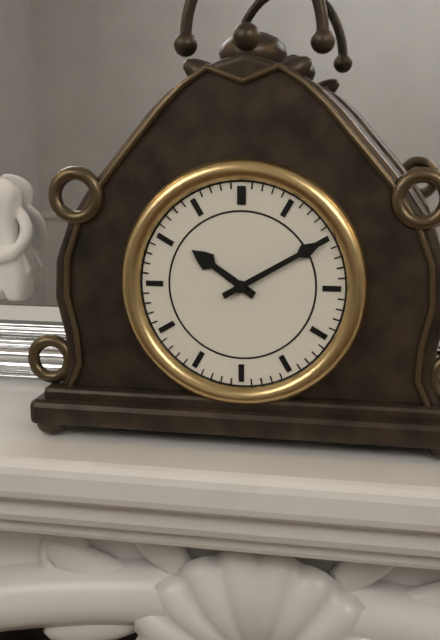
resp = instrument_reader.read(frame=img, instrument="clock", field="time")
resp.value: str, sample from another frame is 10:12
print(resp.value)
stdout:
10:10
